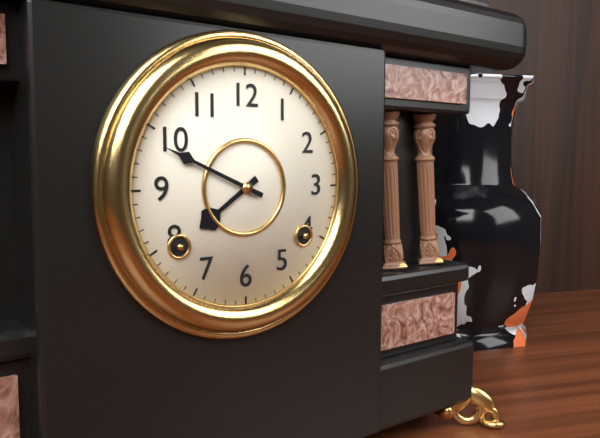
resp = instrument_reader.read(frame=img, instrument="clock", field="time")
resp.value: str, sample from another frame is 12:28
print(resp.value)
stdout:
7:49
